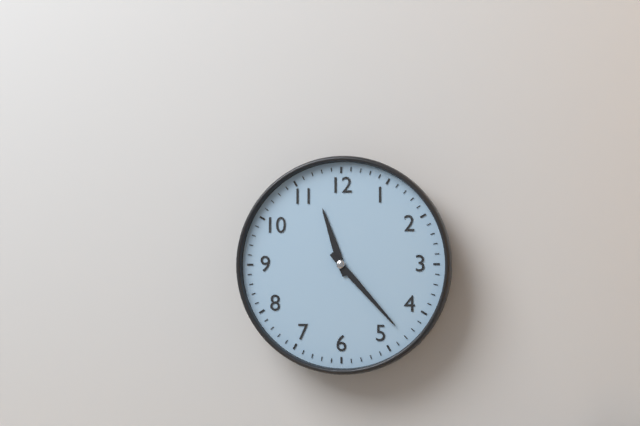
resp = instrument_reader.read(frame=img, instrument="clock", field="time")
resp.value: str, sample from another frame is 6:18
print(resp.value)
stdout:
11:23
